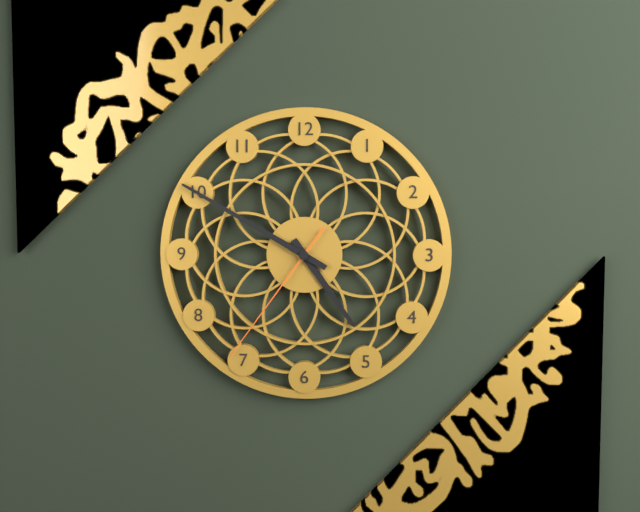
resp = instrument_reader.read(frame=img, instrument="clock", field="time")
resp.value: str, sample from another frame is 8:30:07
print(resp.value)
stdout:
4:50:36
